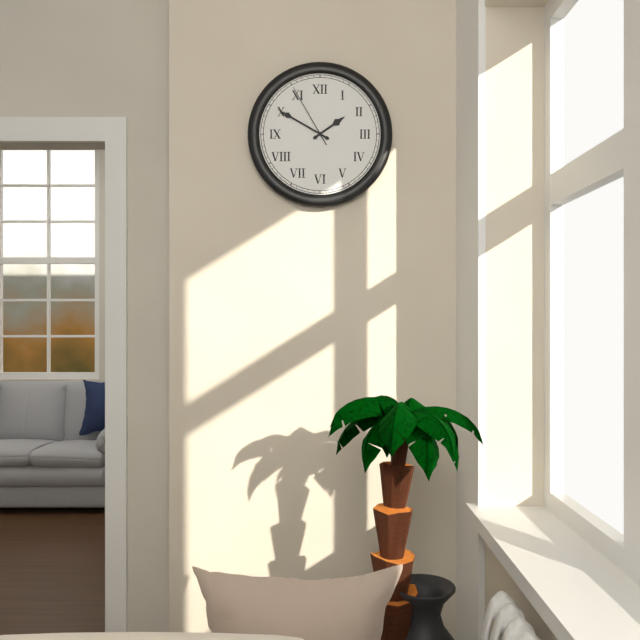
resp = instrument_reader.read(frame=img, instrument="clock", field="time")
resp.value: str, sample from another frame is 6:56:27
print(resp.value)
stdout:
1:50:55
